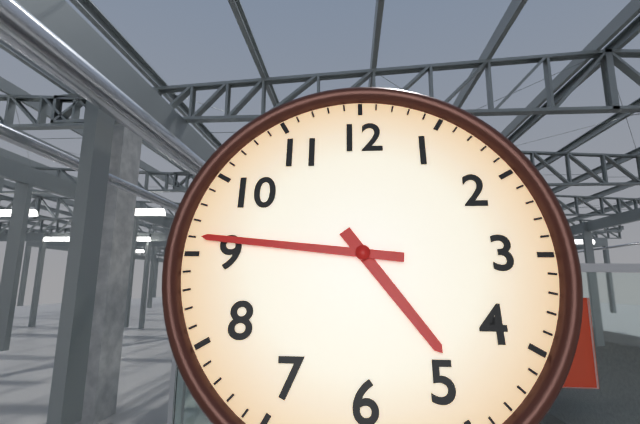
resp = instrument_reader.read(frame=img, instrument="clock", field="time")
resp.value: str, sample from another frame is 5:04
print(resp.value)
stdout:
4:46
